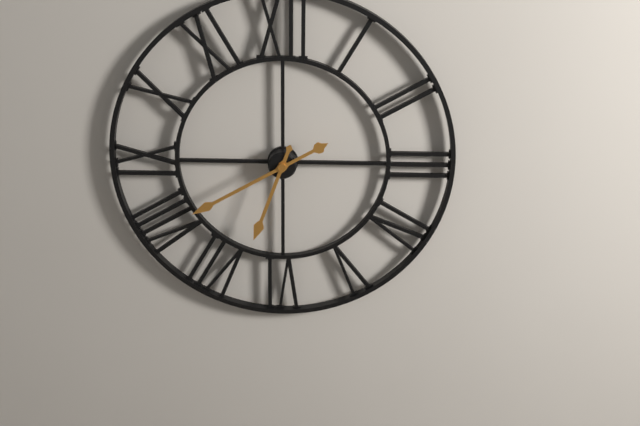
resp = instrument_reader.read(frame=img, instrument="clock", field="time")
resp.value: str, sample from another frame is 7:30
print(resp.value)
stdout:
6:40
